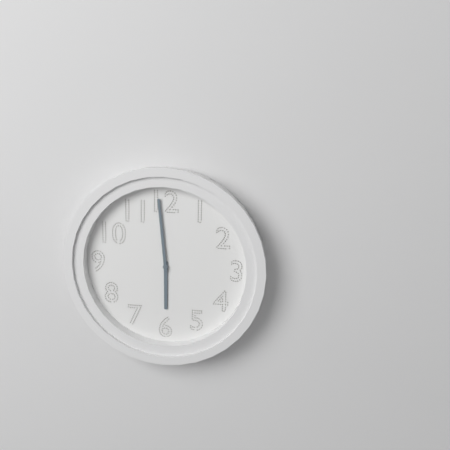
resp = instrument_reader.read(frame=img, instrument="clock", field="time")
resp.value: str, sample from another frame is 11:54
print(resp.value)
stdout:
5:59
